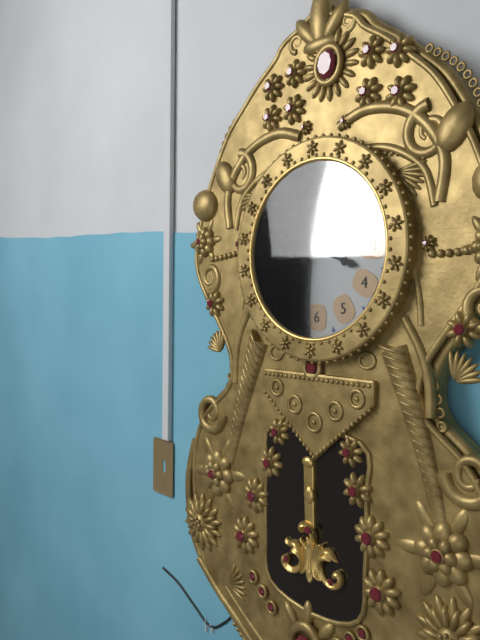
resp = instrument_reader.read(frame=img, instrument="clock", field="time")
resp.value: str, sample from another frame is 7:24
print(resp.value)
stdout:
3:38
